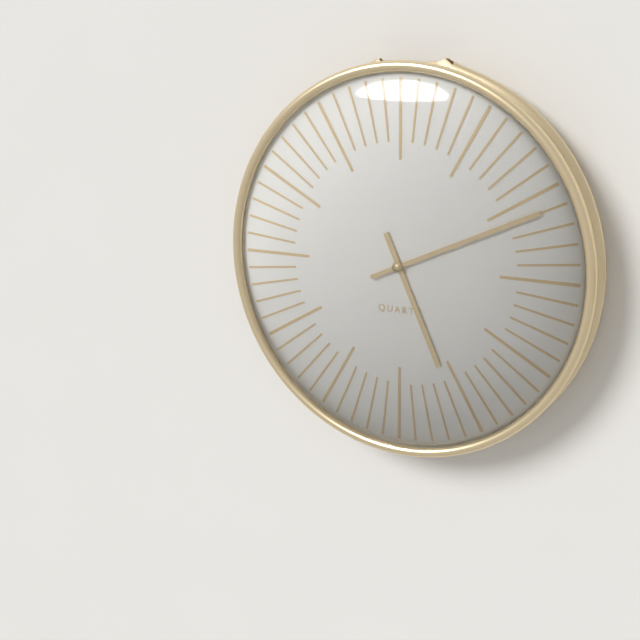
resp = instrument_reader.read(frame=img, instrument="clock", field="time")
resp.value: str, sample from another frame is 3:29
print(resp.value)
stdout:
5:11
